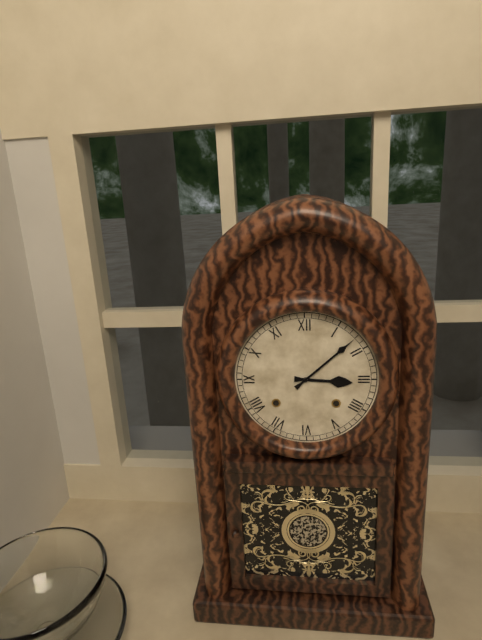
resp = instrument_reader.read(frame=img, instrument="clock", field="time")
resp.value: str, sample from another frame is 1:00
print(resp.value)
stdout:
3:08
